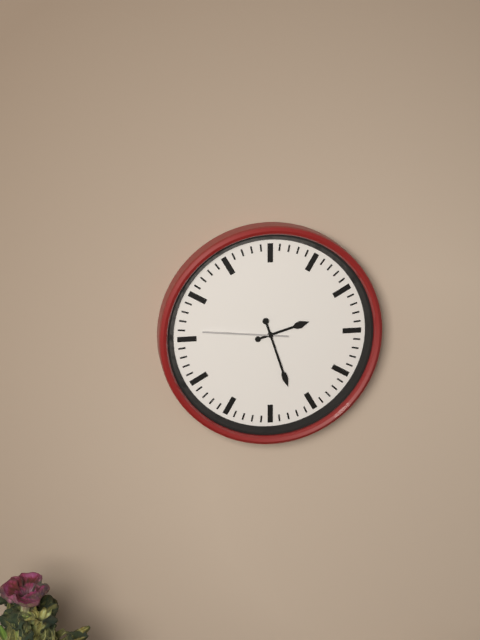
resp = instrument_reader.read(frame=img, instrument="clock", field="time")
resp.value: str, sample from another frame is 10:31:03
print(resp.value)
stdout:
2:27:46
